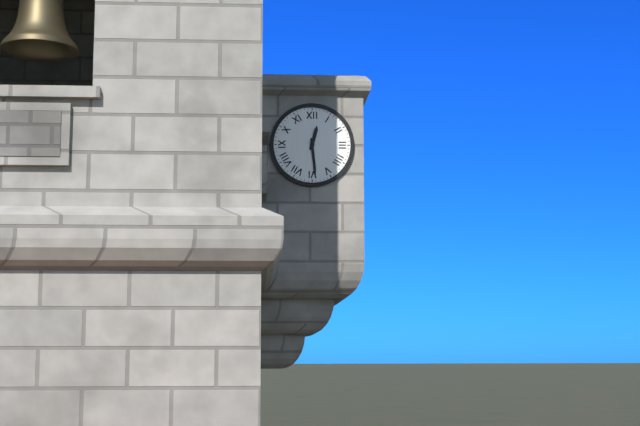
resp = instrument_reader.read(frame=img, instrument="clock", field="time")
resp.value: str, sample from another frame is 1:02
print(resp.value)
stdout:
12:29
